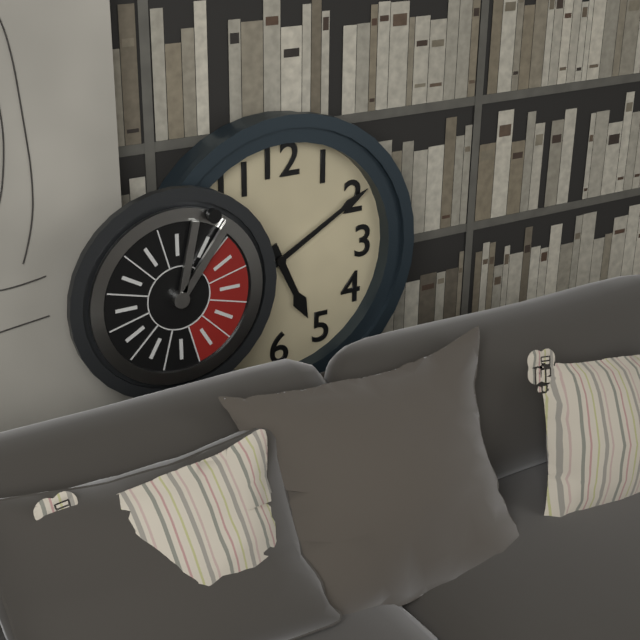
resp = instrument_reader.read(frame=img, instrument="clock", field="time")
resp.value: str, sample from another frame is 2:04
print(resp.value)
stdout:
5:10
